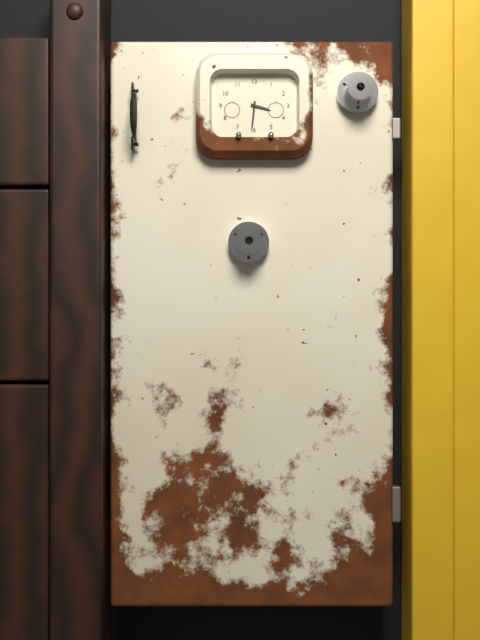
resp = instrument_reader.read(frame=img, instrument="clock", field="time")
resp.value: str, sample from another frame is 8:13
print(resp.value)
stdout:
3:31
